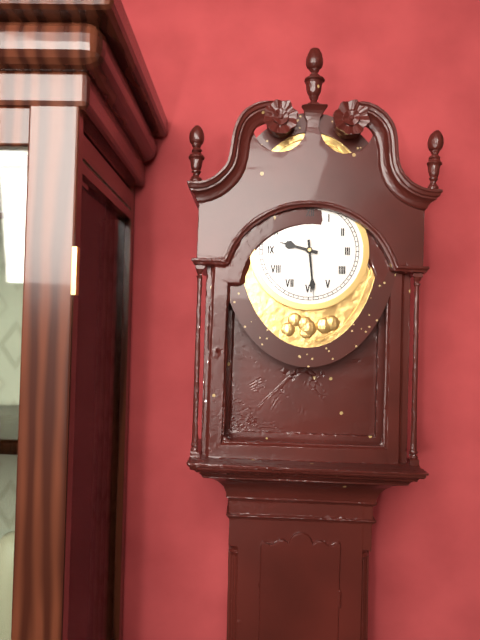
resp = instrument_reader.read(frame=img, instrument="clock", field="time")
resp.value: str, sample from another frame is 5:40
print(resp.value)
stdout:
9:29
